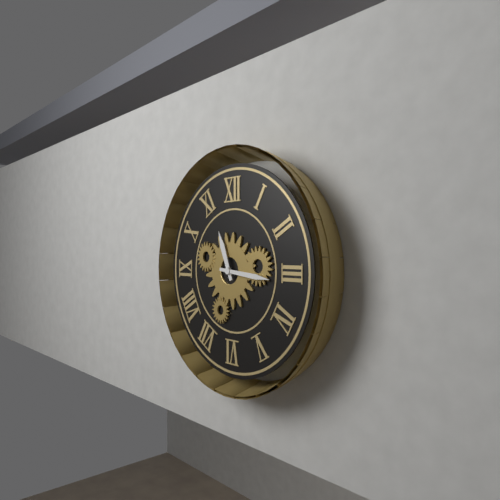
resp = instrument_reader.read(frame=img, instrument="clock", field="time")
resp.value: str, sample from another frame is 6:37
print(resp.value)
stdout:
11:16
